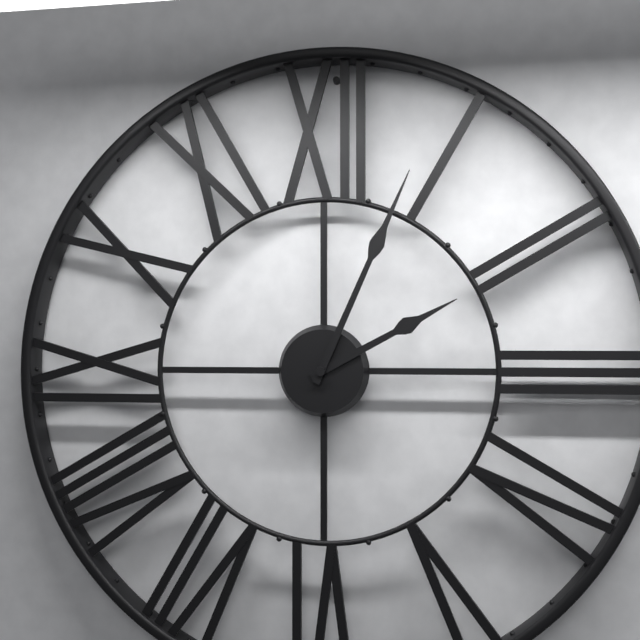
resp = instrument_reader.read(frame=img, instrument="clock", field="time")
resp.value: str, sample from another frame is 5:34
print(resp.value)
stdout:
2:04
